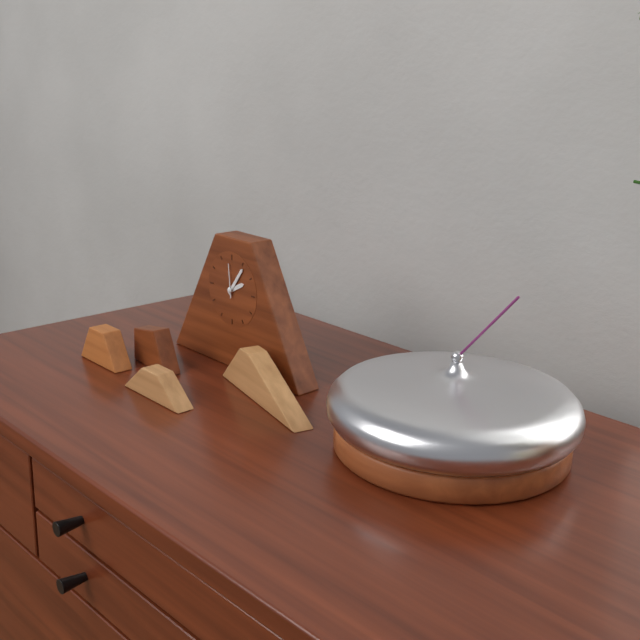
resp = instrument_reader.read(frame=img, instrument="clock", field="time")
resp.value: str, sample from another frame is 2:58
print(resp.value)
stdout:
2:06
